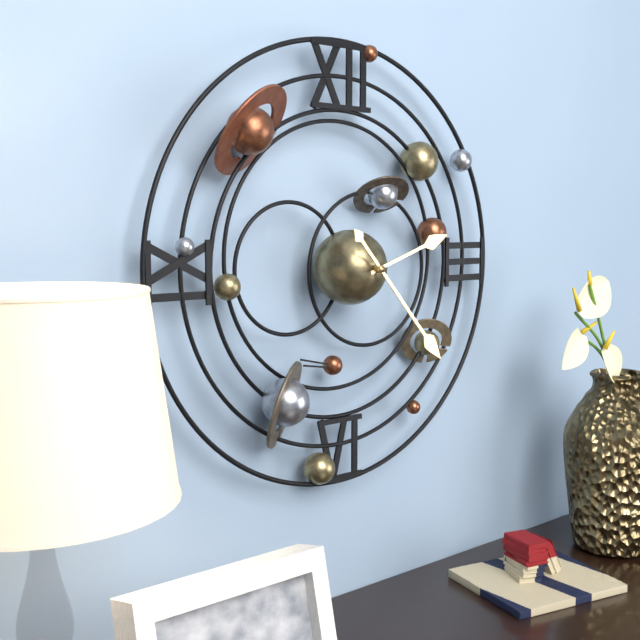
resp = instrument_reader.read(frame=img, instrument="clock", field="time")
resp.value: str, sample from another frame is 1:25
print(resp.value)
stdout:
2:23
